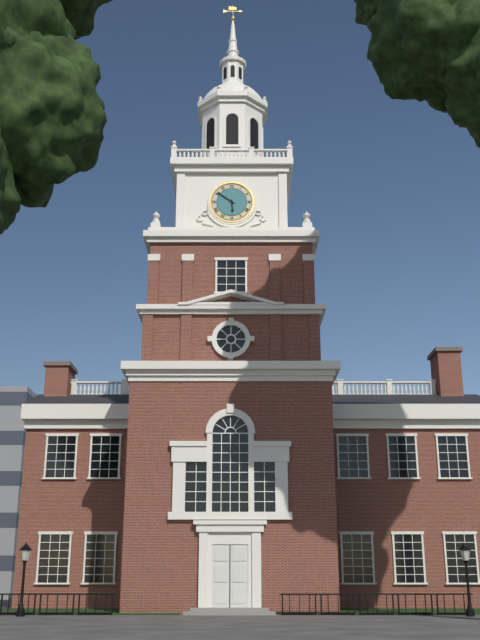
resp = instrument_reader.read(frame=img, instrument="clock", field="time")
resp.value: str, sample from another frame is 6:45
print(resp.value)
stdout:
5:51
